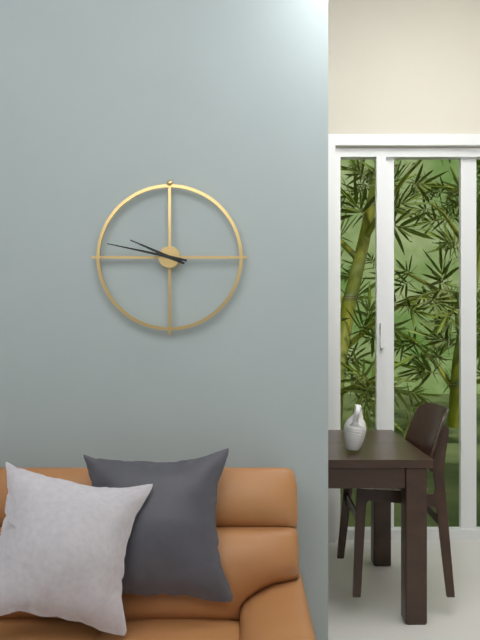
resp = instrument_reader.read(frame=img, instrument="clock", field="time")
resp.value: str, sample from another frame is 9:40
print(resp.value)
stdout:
9:47
